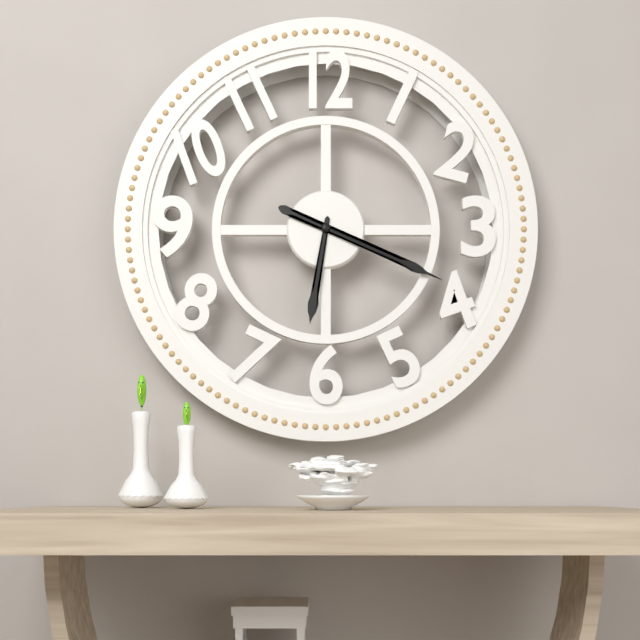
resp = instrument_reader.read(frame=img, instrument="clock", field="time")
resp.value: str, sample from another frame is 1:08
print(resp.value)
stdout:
6:19
